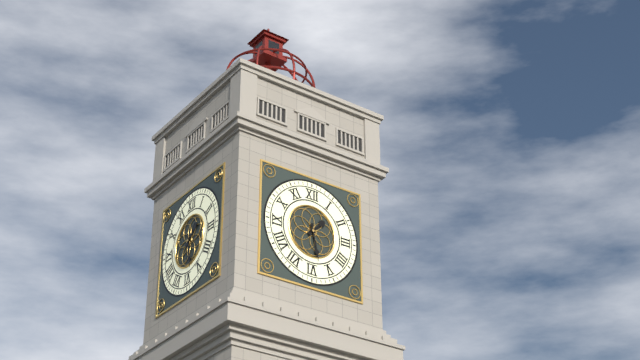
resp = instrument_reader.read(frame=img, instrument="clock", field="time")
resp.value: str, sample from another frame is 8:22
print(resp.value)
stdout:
1:28
